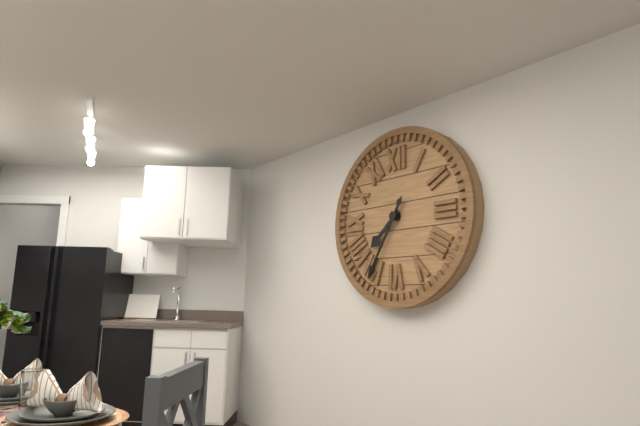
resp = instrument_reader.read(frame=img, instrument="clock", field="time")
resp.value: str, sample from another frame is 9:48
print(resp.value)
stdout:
7:35
